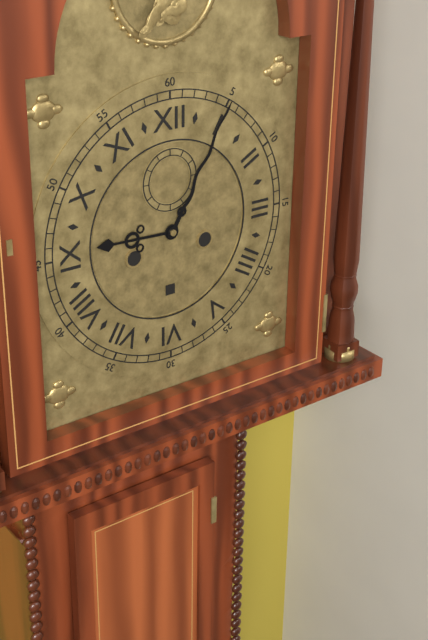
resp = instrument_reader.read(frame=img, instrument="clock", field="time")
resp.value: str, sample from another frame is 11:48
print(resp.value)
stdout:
9:05
